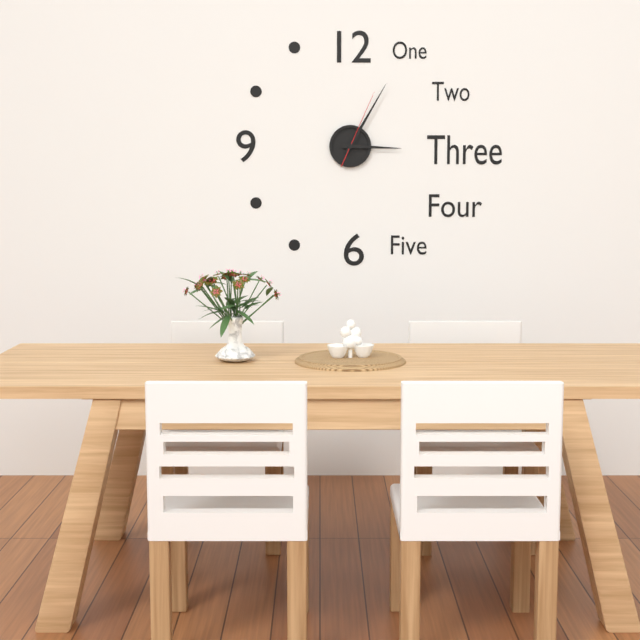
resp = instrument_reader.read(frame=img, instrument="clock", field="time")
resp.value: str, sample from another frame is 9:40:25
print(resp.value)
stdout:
3:05:04
